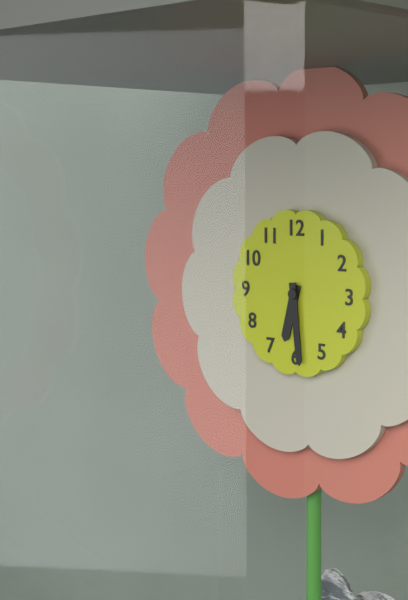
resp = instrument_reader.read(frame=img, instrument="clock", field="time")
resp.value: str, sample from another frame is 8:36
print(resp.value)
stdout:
6:29
